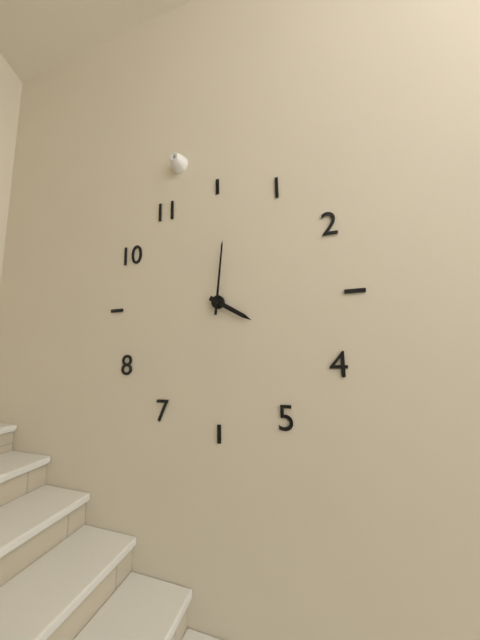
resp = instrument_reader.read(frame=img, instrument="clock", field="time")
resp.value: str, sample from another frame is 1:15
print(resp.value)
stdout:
4:01
